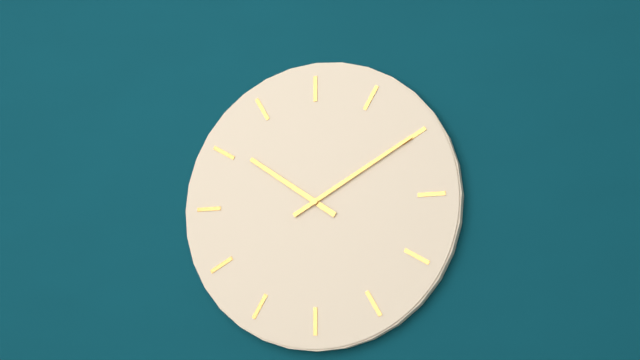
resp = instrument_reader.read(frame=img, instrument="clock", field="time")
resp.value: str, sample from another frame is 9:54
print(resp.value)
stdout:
10:10
